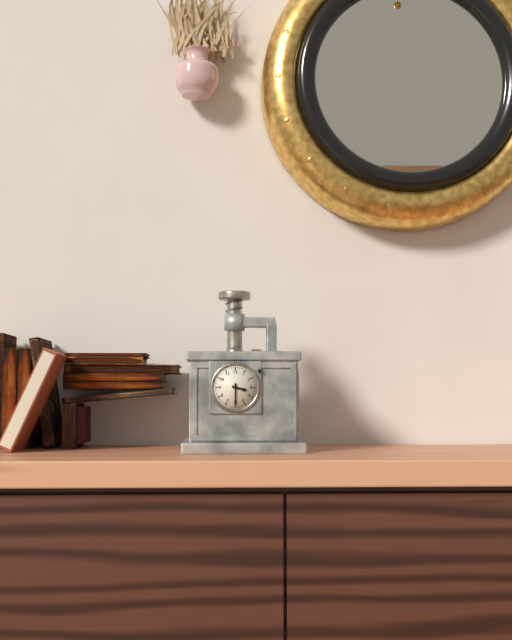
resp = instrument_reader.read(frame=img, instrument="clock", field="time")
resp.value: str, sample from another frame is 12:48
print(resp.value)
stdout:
3:30
